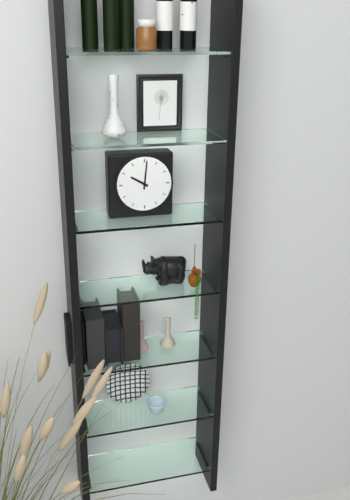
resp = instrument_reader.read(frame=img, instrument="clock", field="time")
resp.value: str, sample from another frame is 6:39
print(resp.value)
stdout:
10:01
